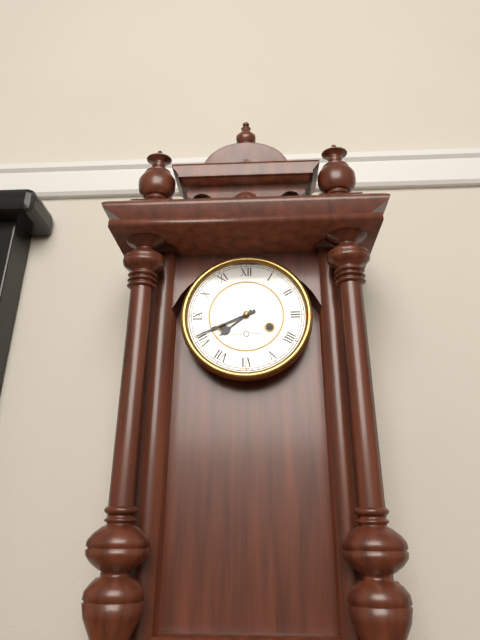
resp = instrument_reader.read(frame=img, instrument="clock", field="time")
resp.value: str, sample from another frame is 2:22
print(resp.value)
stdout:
7:41
